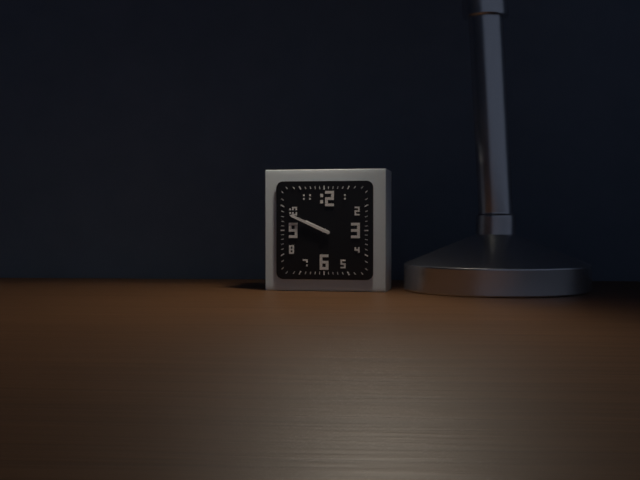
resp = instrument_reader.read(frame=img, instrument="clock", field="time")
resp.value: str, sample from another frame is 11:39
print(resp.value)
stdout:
9:49
